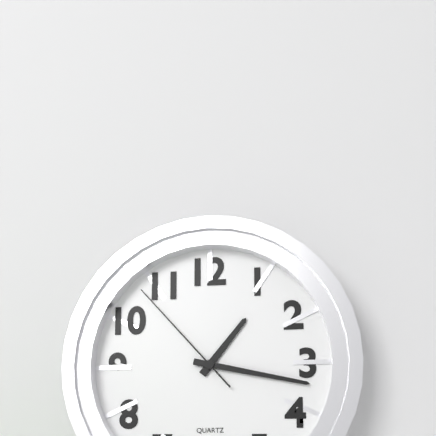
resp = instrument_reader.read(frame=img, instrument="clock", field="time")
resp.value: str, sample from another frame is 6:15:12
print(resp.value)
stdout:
1:17:53
